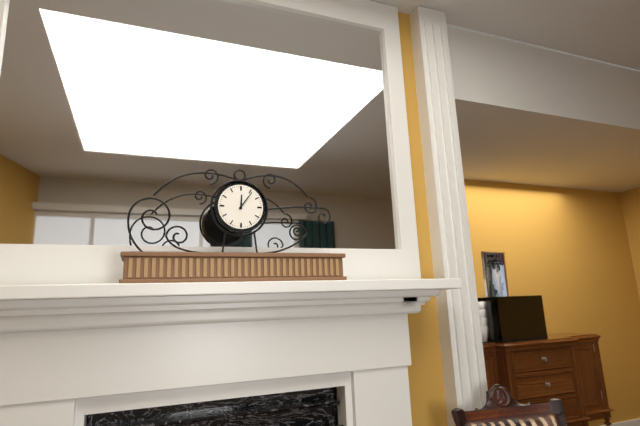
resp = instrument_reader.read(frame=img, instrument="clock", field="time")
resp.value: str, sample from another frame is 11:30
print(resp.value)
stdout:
12:06
